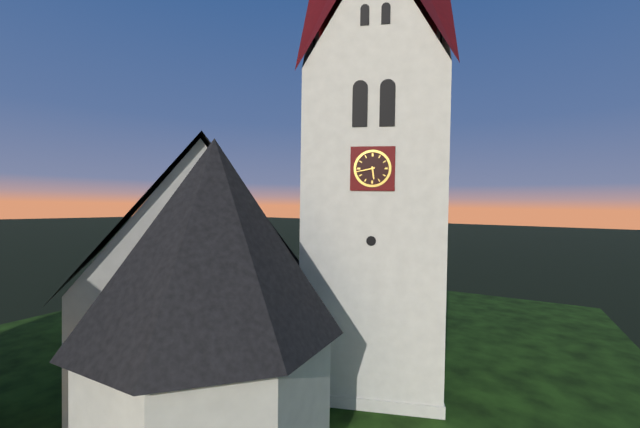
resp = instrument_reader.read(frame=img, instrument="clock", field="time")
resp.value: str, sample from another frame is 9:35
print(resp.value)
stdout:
5:43
